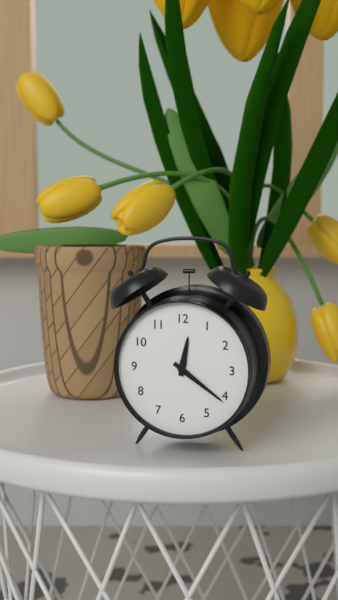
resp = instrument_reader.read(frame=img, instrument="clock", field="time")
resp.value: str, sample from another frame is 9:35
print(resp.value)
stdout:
12:21
